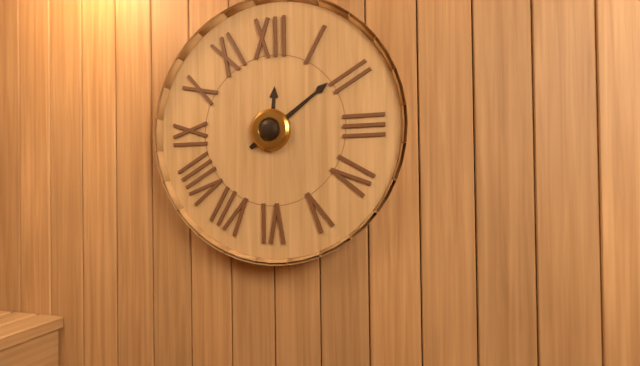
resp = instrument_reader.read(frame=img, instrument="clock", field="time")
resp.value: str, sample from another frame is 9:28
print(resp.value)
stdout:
12:09
